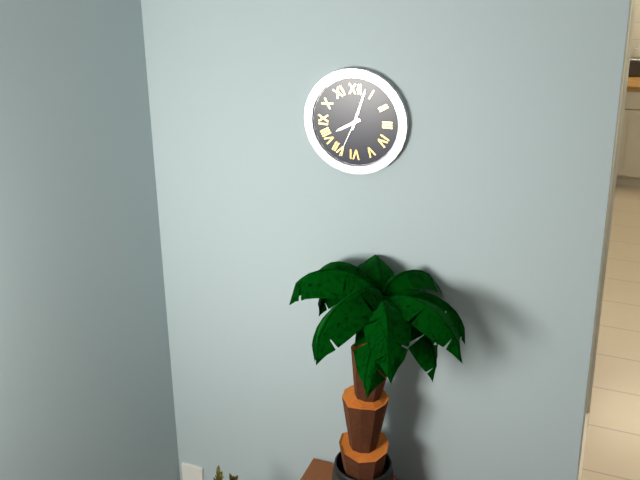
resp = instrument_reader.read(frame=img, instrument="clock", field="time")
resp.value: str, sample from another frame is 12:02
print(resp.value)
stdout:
8:03
